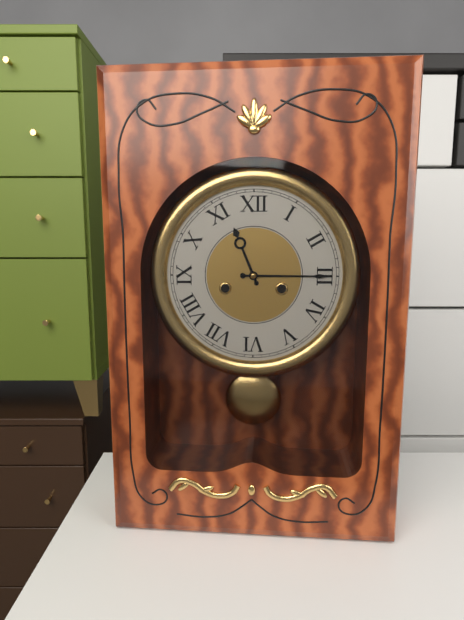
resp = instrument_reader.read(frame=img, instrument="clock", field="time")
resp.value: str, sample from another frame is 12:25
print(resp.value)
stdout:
11:15
